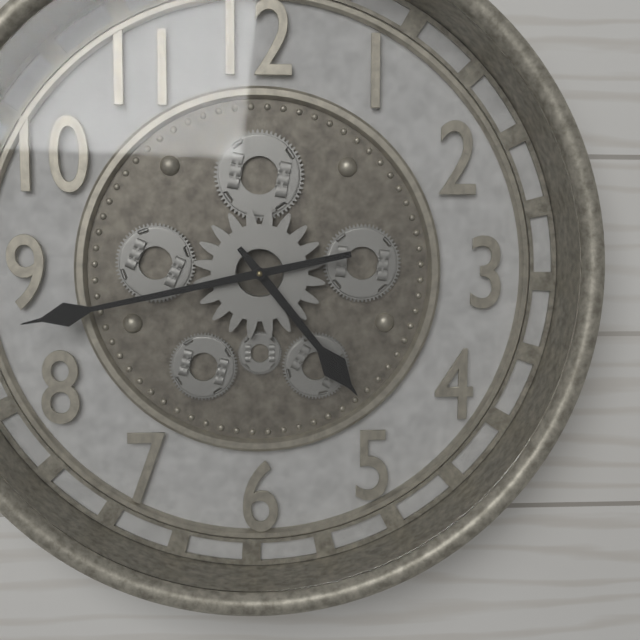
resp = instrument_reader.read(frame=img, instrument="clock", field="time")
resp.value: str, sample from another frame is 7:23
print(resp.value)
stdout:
4:43
